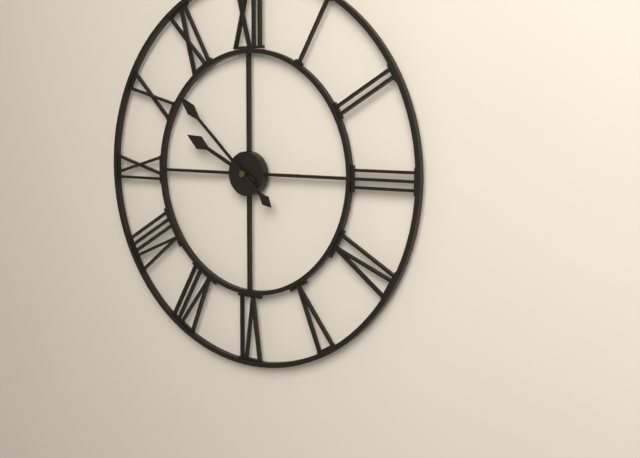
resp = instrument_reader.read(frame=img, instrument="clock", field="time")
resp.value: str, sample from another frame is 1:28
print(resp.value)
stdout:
9:52
